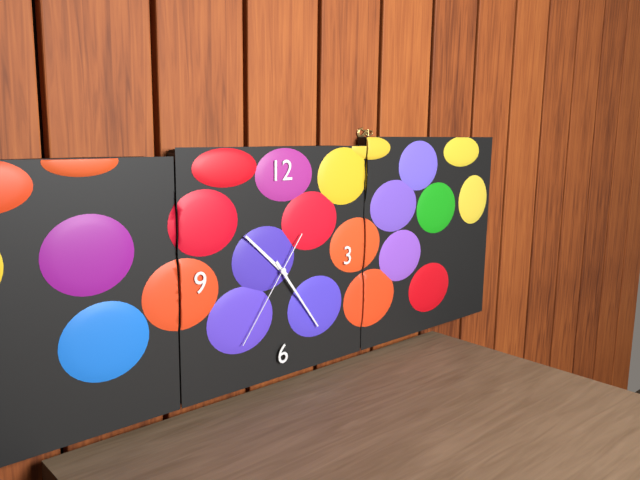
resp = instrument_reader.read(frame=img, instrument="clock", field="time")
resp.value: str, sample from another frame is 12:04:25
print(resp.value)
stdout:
10:24:36
